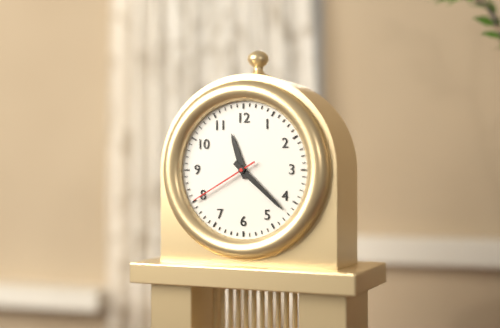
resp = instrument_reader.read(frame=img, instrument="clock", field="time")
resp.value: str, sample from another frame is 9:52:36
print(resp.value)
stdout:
11:22:40
